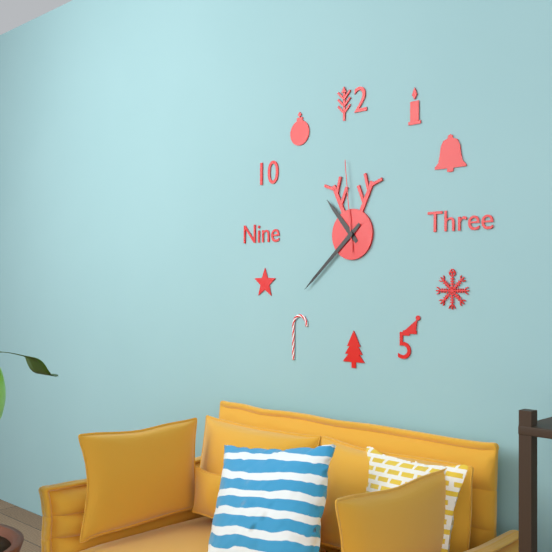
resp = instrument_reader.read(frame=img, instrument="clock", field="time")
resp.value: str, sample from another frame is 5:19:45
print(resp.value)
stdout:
10:38:59
